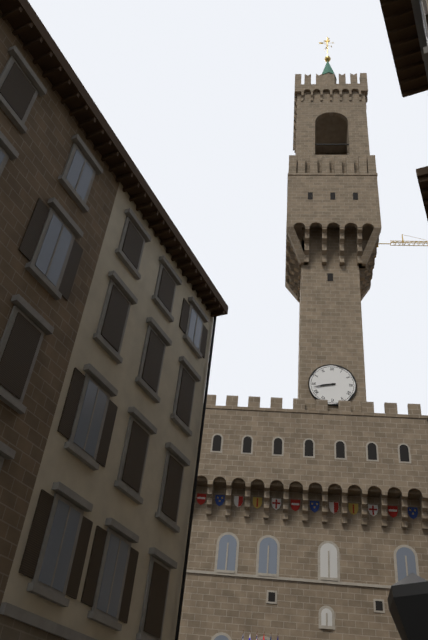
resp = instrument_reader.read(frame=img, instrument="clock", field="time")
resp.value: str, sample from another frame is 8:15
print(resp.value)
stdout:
8:43
